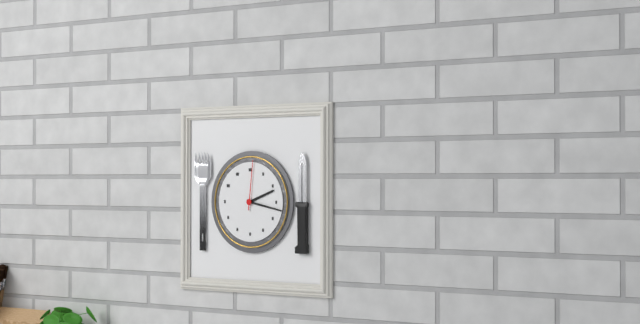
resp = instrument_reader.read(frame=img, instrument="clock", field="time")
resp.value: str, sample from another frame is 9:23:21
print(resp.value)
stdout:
2:17:01
